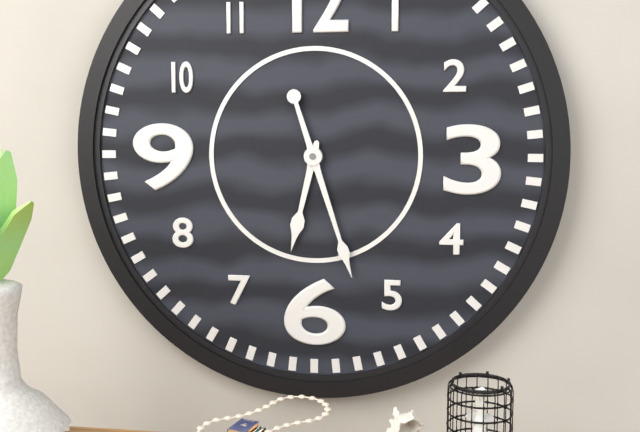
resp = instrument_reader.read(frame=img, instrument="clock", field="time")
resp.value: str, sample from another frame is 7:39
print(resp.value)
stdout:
6:27
